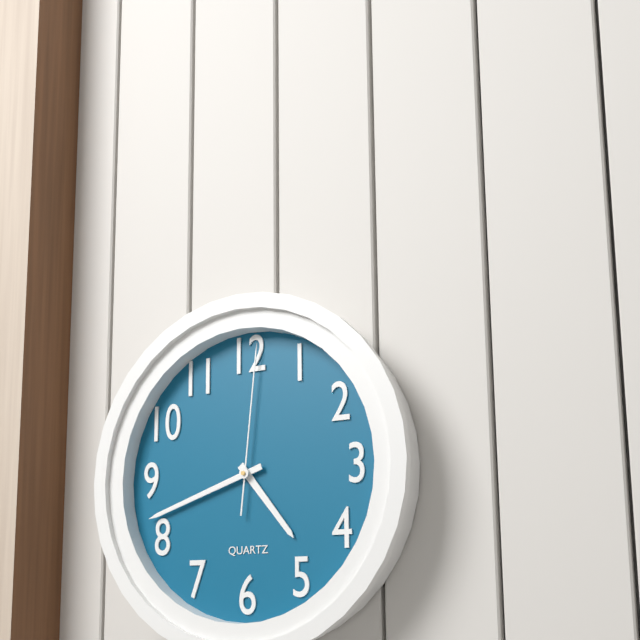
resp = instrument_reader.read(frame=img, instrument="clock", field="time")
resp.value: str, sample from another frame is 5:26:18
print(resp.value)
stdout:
4:42:01
